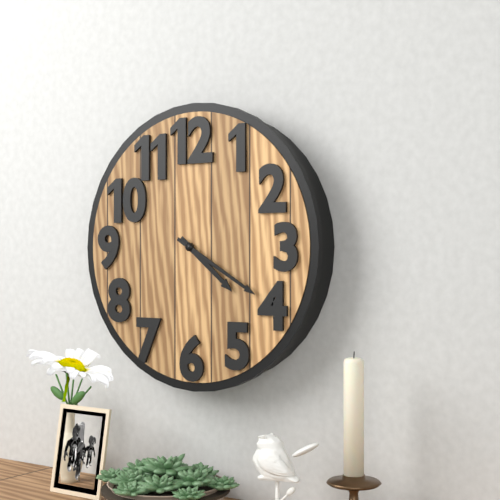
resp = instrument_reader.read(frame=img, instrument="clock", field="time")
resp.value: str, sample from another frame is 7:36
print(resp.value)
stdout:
4:20
